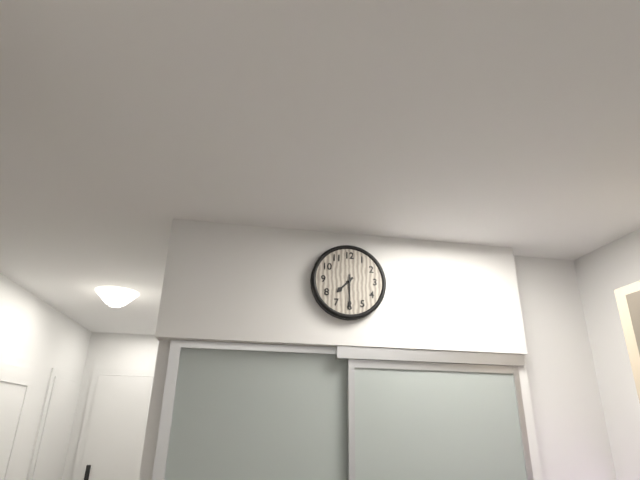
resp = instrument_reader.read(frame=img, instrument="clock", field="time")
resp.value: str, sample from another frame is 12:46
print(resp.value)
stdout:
7:30
